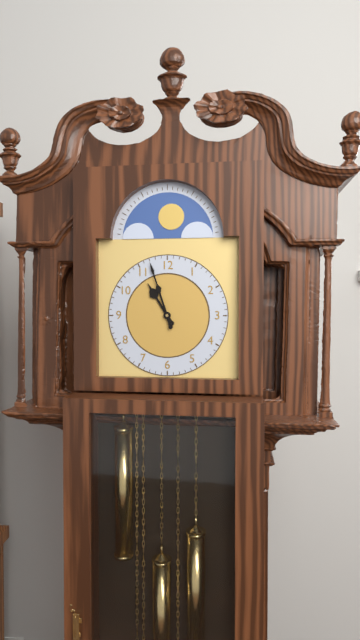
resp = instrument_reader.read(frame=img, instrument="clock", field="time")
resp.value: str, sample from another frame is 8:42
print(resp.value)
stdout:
10:57
